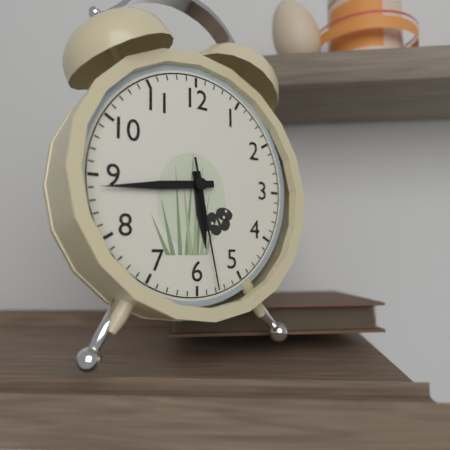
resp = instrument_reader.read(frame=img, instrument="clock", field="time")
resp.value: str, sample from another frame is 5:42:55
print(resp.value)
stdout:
5:44:28
